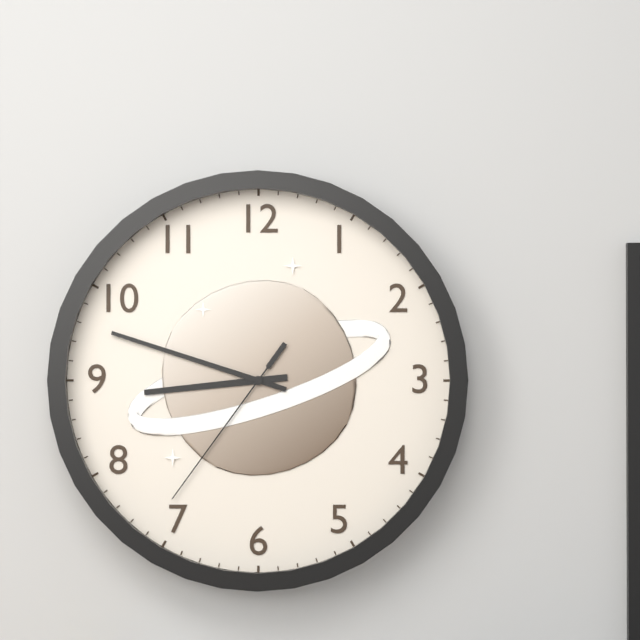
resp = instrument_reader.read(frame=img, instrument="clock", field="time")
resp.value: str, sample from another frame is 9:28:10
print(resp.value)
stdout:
8:48:36
